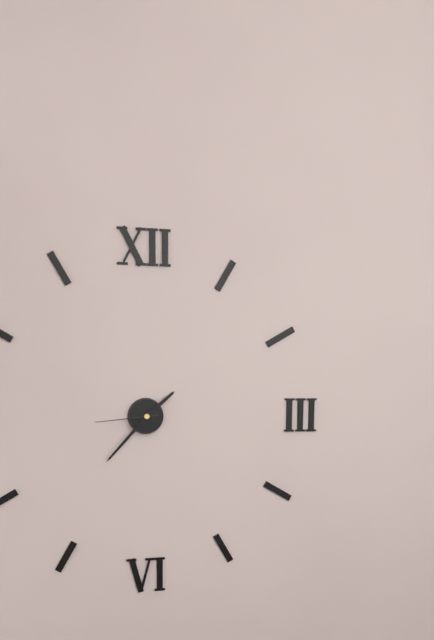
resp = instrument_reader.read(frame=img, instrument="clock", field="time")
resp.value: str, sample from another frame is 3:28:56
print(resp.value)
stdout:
1:37:44
